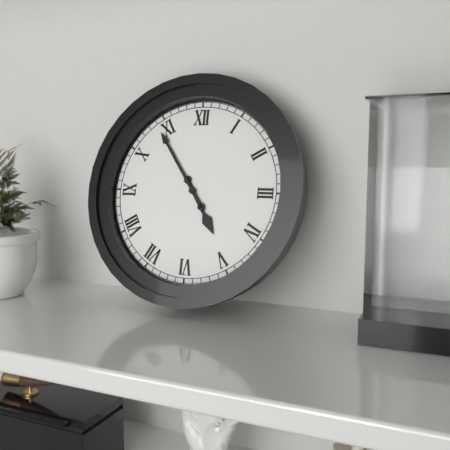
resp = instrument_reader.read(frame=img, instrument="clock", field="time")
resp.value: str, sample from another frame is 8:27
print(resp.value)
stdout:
4:54
